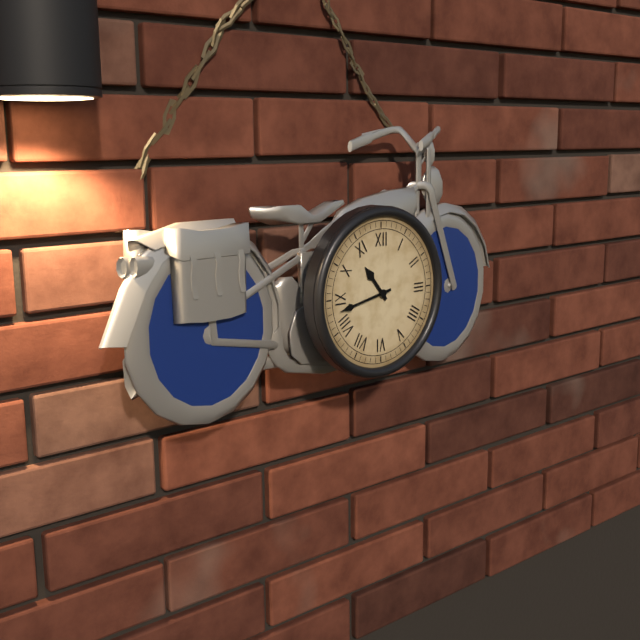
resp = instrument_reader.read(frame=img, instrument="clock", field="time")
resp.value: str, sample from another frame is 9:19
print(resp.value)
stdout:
10:43
